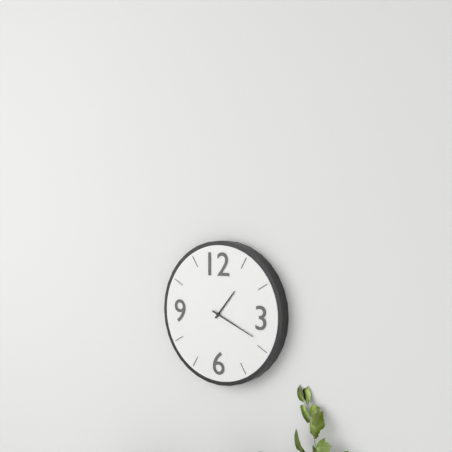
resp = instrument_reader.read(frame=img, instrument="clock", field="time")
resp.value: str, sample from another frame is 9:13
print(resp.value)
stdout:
1:19
